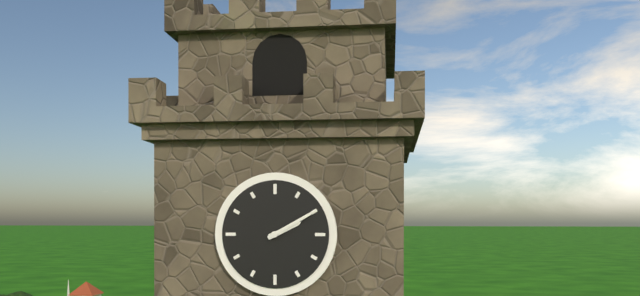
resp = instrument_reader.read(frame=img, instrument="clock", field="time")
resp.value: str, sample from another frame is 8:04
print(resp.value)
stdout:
2:10
